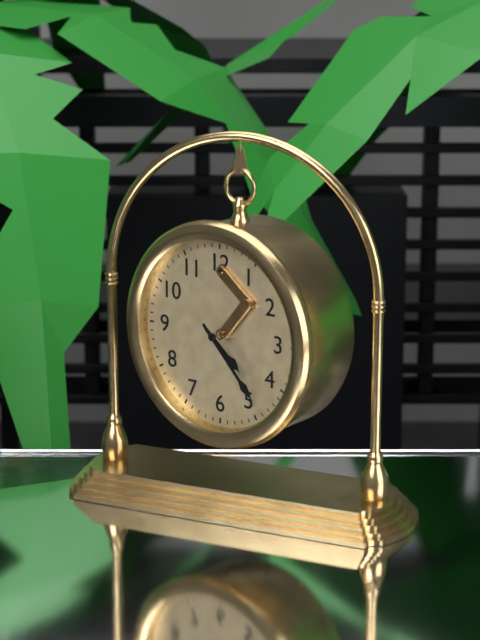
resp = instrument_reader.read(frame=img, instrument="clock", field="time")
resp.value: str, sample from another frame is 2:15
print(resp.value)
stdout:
4:23
